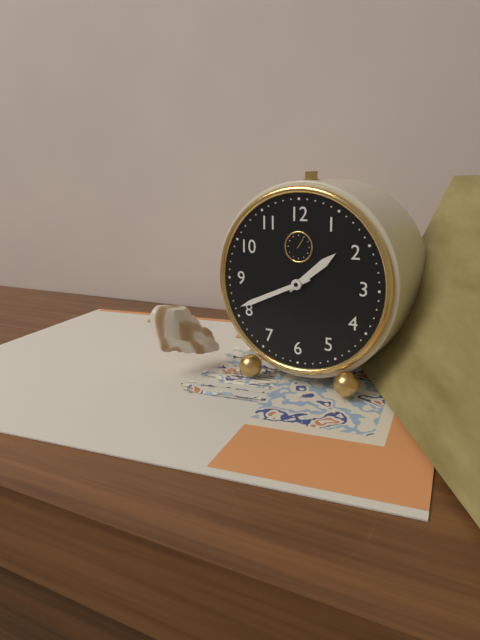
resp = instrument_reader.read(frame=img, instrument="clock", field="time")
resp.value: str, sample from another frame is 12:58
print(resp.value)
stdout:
1:41
